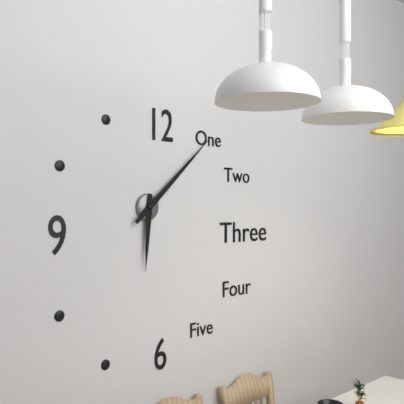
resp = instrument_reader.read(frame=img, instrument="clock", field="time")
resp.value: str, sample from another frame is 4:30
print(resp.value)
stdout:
6:08
